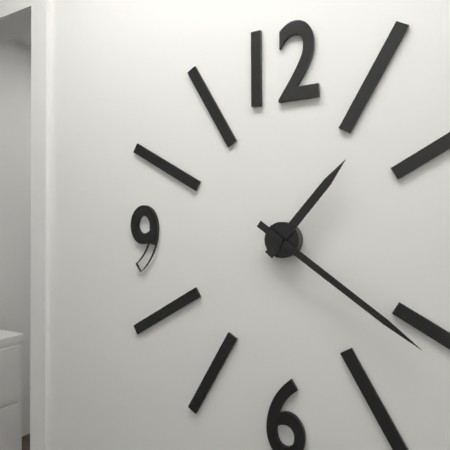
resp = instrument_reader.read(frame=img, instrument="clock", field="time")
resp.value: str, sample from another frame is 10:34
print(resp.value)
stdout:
1:21
